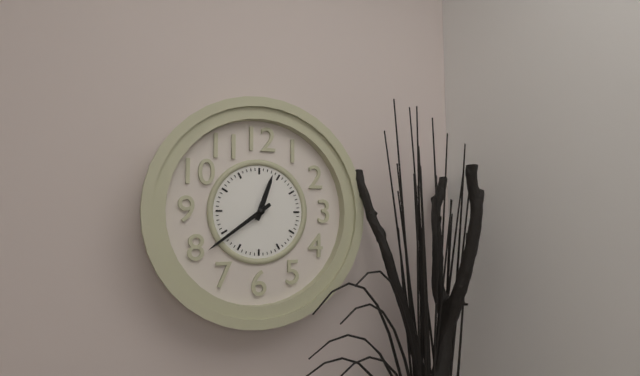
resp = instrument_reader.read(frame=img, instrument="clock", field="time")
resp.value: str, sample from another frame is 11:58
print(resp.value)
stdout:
12:39
